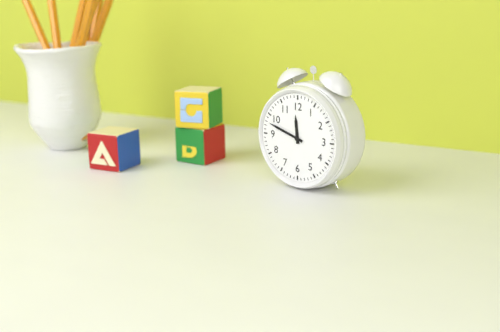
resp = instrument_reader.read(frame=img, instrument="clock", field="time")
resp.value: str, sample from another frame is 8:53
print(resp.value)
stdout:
11:48
